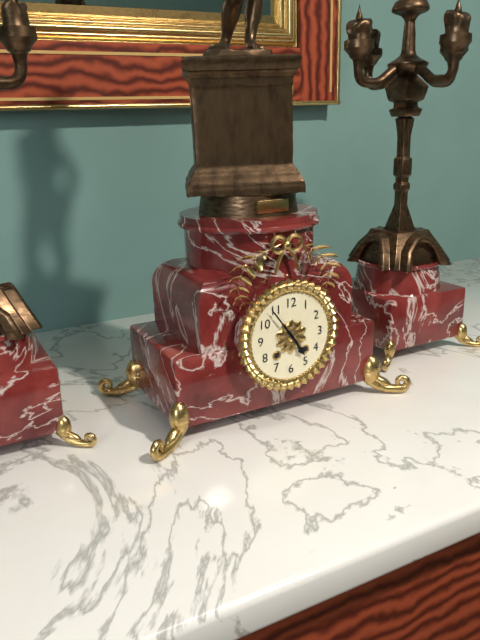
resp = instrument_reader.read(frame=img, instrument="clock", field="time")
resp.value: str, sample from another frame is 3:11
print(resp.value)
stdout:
4:54
